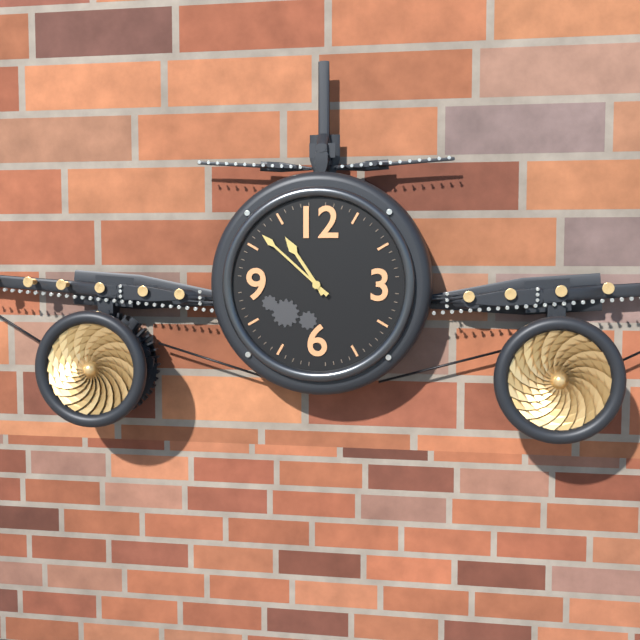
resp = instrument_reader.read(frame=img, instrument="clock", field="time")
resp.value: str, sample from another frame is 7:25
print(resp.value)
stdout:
10:52
